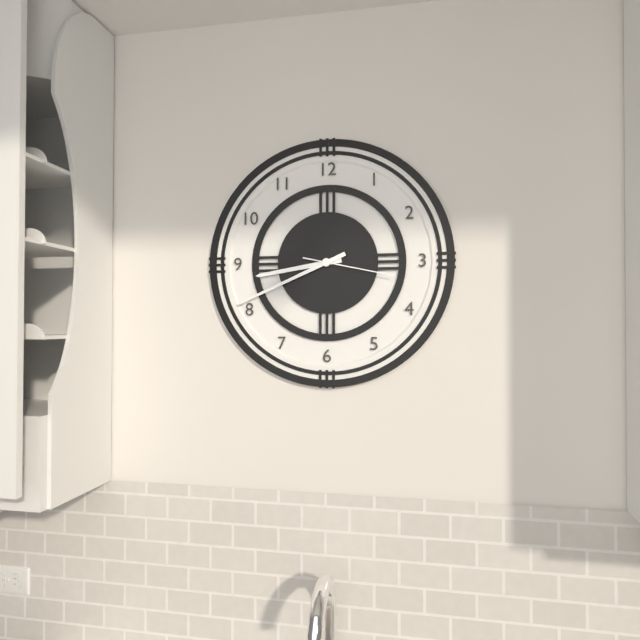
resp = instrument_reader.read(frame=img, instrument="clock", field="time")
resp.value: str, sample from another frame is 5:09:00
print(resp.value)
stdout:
8:41:17
